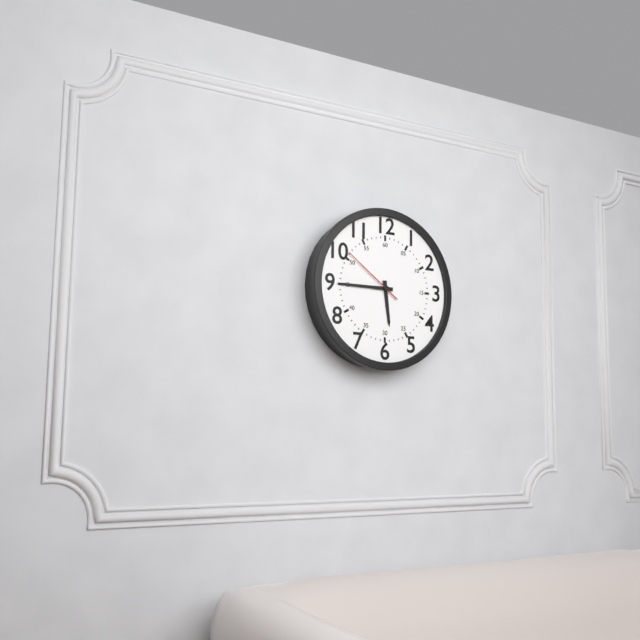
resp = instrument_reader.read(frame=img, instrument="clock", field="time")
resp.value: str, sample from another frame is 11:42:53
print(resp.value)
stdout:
5:45:51
